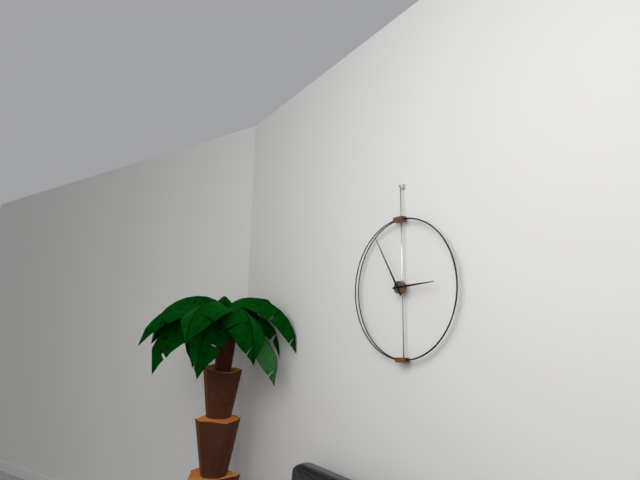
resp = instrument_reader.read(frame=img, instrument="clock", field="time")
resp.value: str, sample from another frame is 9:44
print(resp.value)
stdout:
2:55
